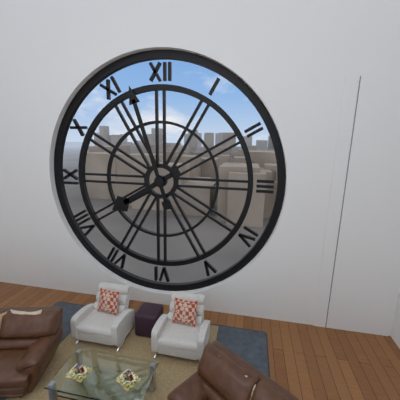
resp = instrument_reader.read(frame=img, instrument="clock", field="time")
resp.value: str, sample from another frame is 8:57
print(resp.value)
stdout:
7:57
